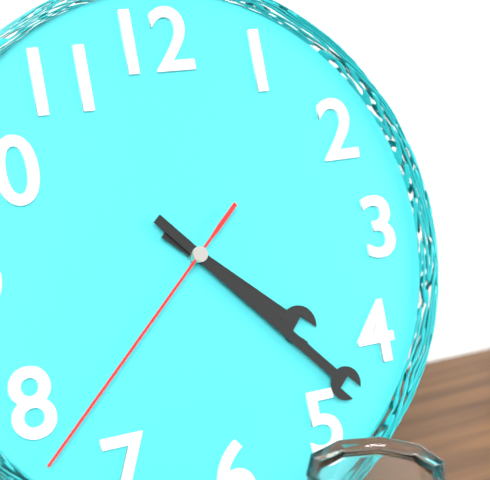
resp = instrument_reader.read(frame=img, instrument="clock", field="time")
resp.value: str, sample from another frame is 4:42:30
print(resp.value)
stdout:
4:23:38
